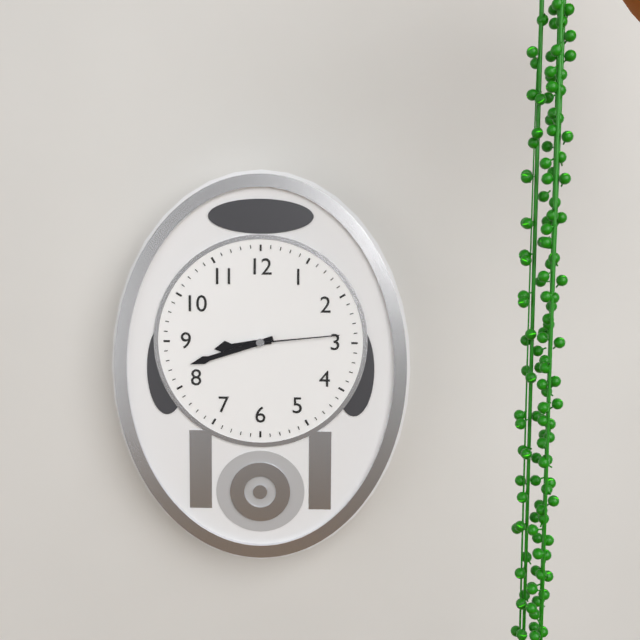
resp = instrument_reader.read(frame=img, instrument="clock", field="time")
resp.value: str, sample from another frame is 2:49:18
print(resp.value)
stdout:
8:42:14
